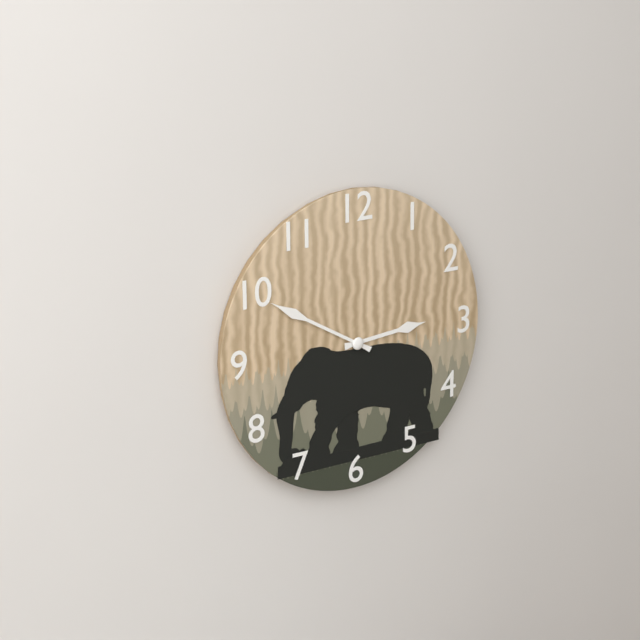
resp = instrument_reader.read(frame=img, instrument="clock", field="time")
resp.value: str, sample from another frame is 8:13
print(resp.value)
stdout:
2:50
